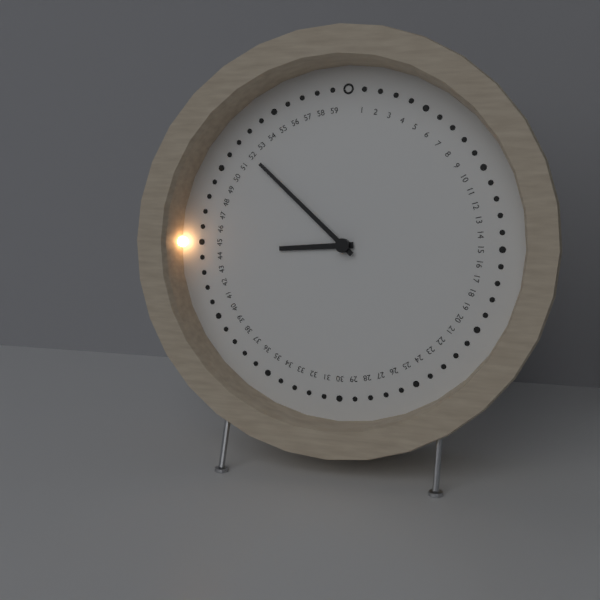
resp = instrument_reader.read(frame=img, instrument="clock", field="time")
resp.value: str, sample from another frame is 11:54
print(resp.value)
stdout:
8:52
